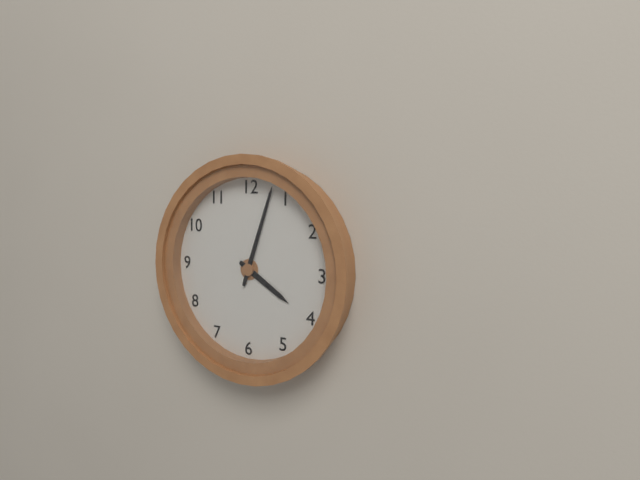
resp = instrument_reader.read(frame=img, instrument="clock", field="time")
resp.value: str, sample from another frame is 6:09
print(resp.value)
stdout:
4:03
